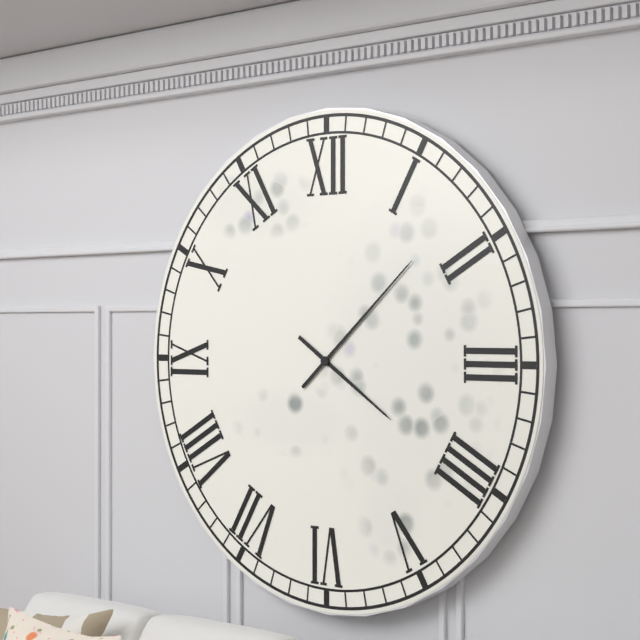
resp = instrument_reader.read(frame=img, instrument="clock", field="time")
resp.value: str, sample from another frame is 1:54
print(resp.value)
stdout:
4:08
